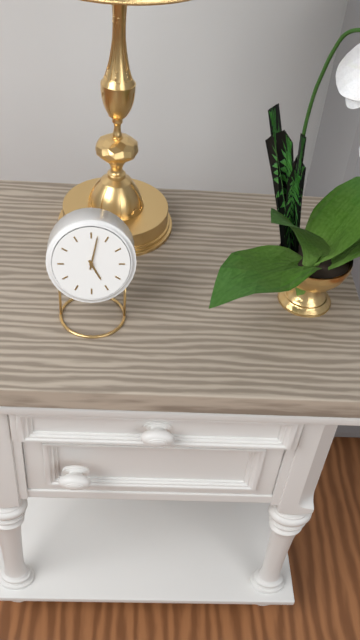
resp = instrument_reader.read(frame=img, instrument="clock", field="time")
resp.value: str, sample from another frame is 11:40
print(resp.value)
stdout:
5:02
